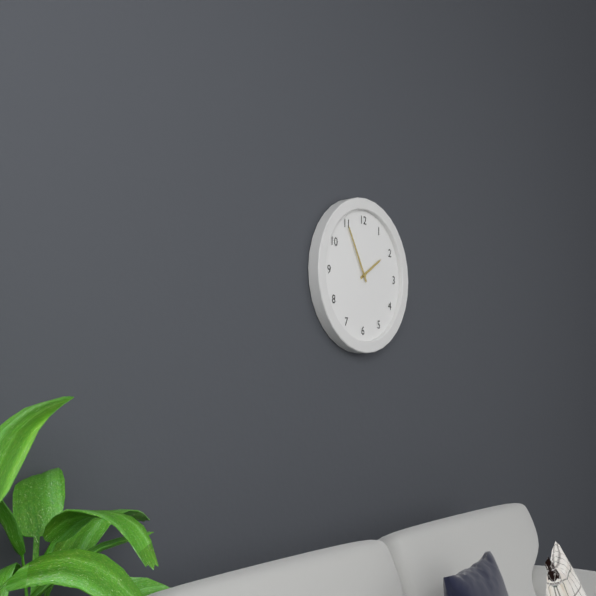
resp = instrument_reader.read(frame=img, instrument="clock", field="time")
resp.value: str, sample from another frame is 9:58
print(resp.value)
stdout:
1:55
